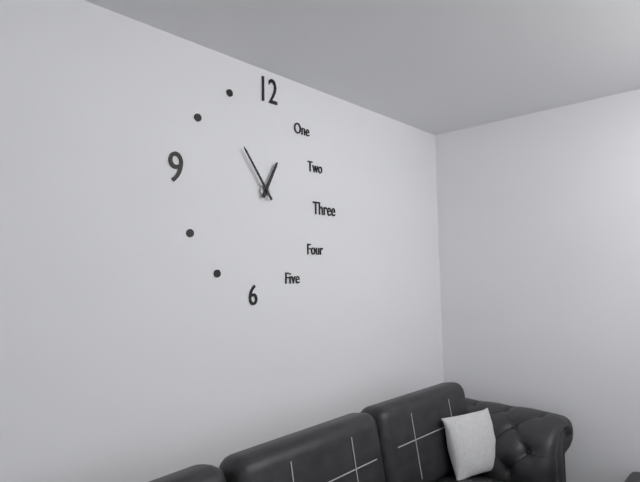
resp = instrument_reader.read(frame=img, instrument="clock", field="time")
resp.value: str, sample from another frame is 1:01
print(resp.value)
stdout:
12:54
